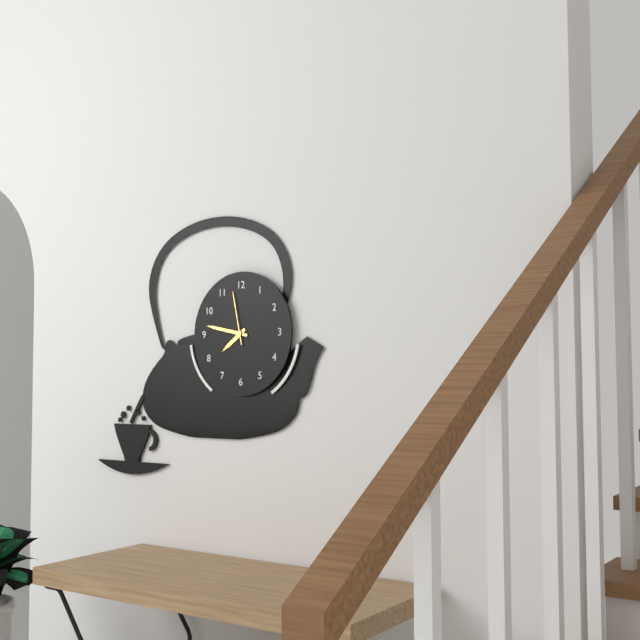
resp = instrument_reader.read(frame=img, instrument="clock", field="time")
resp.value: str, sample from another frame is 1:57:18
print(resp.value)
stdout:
7:47:58
